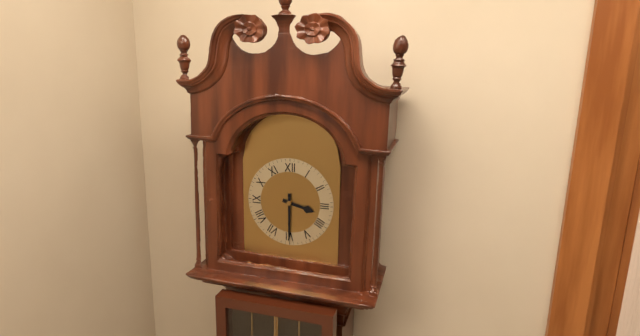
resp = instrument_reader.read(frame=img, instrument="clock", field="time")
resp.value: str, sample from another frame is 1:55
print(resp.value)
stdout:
3:30
